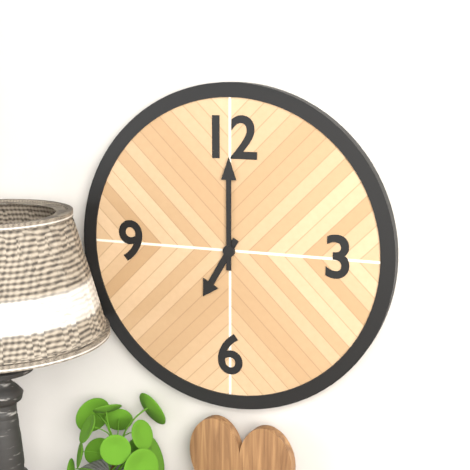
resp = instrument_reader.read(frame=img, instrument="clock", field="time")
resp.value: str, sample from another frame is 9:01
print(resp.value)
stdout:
7:00
